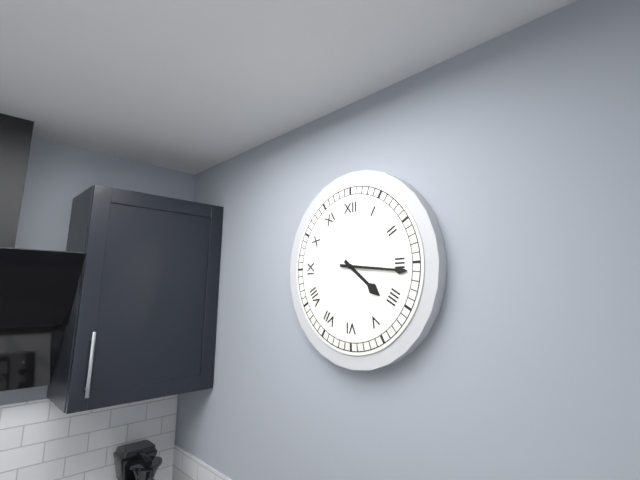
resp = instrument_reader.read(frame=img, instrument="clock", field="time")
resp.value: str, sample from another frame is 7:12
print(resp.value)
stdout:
4:16
